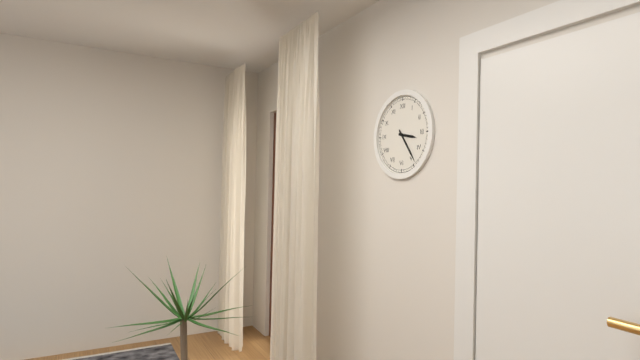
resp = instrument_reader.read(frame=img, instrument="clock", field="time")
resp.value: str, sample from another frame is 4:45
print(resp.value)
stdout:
3:24
